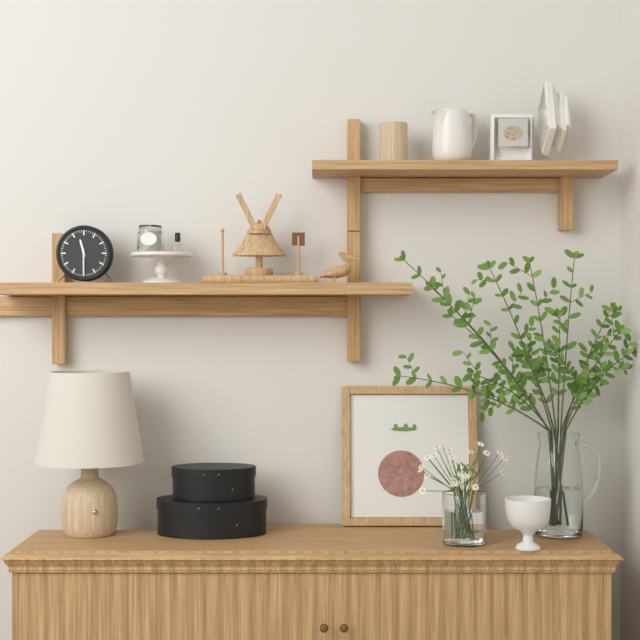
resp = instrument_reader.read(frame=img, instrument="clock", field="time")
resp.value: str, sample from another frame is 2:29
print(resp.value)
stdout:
11:30
